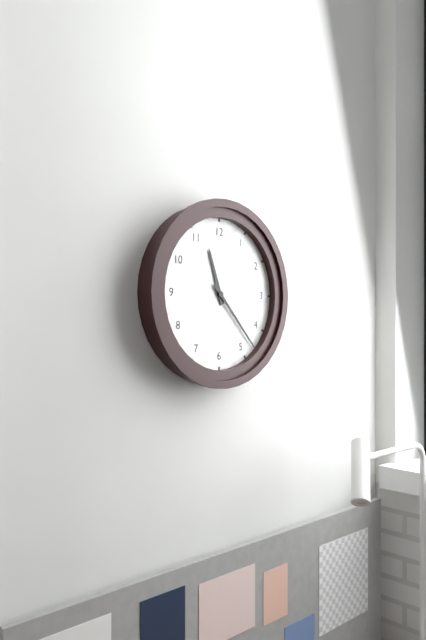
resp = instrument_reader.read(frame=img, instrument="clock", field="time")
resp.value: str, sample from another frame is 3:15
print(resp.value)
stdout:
11:23
